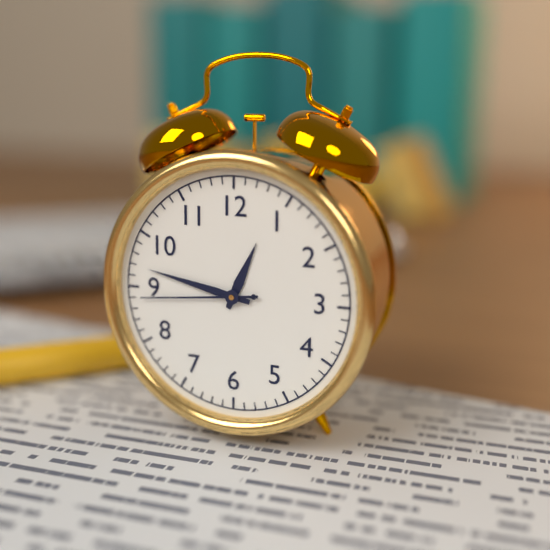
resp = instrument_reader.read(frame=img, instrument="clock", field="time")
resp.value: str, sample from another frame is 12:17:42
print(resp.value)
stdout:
12:47:44
